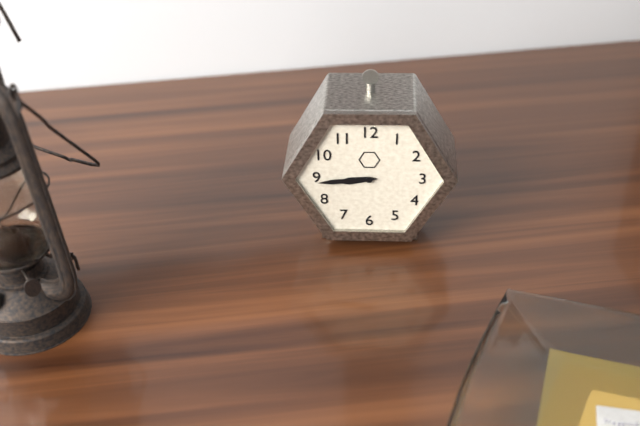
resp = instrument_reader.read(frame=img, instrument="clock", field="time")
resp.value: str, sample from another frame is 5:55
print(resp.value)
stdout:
8:44
